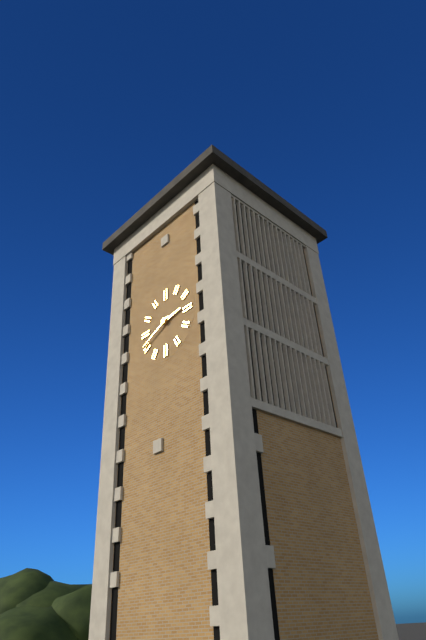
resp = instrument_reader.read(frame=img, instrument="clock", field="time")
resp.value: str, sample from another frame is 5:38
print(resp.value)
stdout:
2:41
